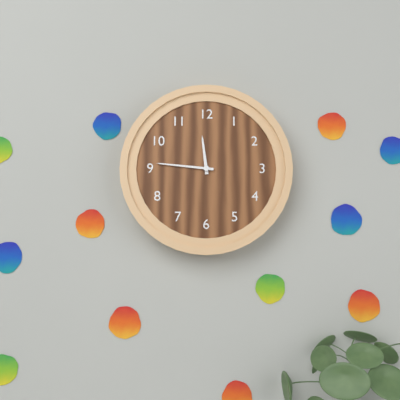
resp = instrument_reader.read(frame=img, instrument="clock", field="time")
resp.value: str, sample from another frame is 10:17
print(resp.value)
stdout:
11:46
